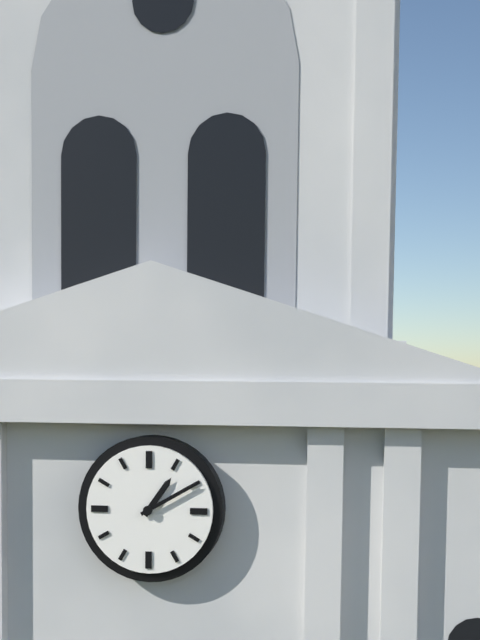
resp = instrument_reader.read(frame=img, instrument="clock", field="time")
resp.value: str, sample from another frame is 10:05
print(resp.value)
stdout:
1:10
